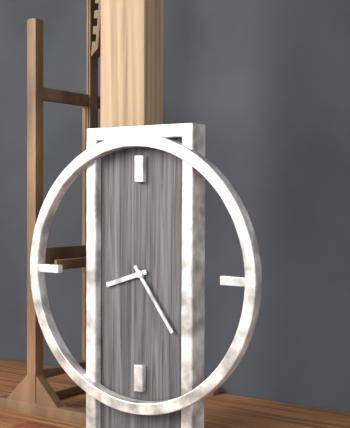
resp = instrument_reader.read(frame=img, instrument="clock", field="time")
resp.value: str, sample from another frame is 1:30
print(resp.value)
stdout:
8:24
